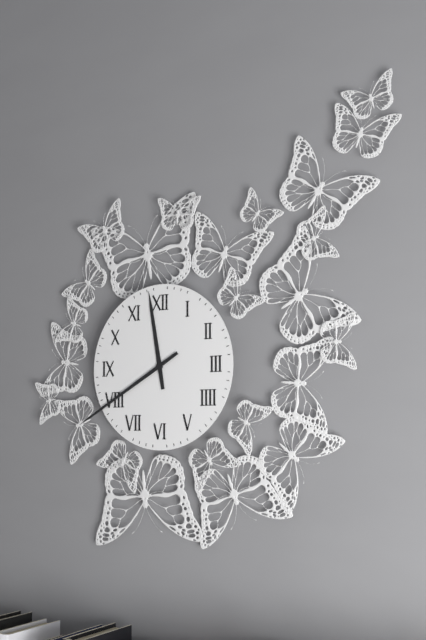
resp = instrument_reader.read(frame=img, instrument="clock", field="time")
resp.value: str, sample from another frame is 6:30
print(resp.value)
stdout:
11:40
